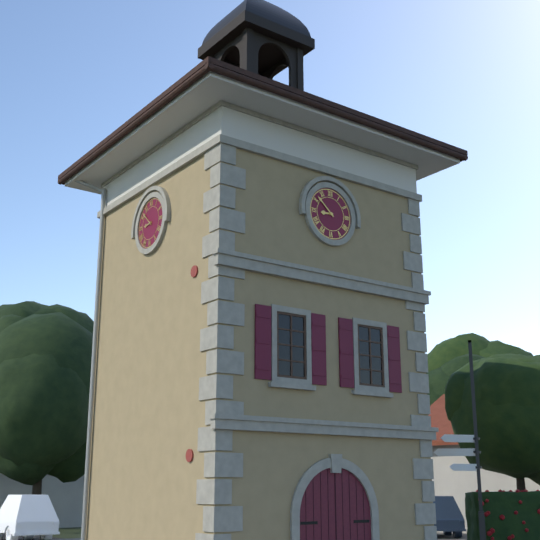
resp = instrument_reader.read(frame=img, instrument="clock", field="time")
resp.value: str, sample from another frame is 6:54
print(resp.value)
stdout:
8:52
